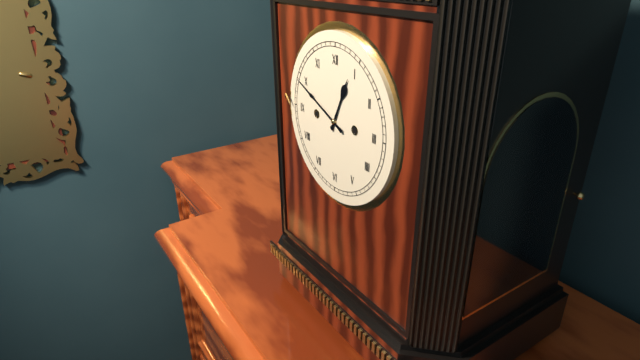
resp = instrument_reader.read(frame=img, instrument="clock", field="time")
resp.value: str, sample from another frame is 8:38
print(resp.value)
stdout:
12:49
